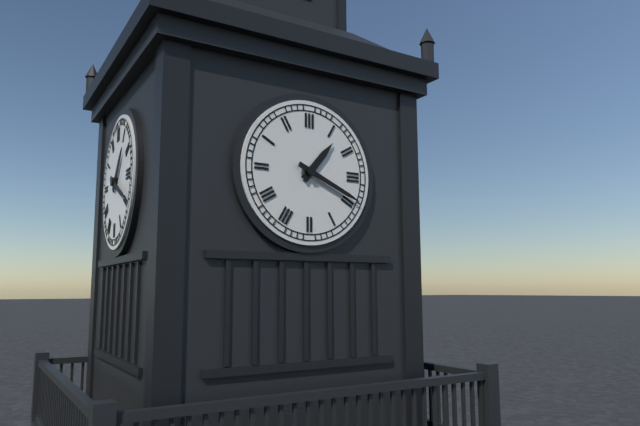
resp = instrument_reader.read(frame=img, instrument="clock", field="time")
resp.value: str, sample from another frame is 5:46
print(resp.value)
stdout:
1:19
